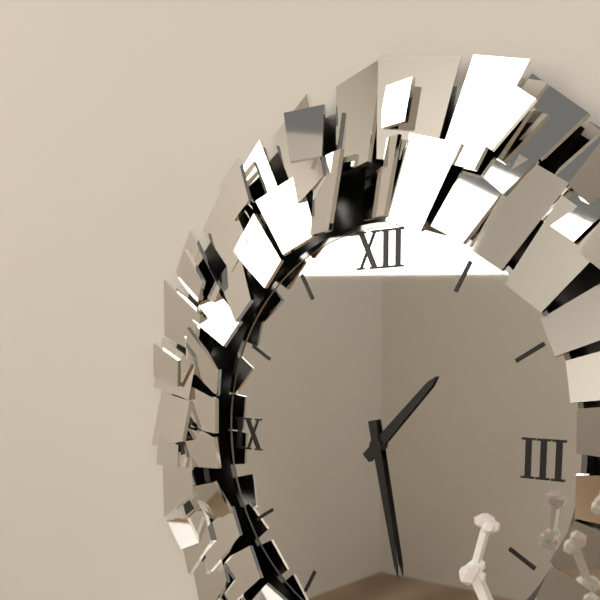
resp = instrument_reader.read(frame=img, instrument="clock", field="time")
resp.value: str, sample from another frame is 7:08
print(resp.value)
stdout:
1:28
